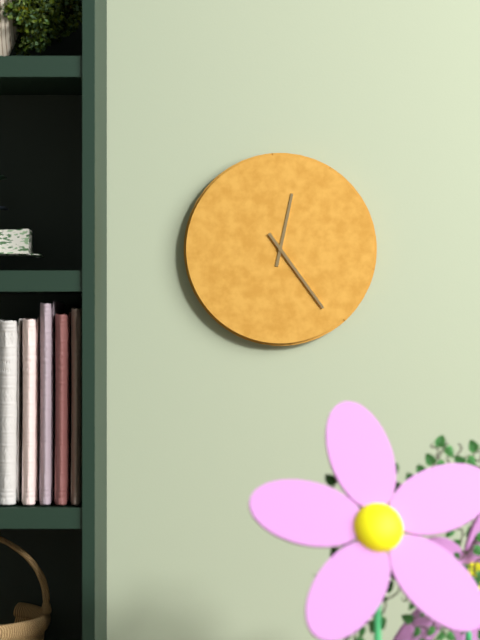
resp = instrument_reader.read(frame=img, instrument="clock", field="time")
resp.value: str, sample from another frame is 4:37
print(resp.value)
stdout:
12:24
